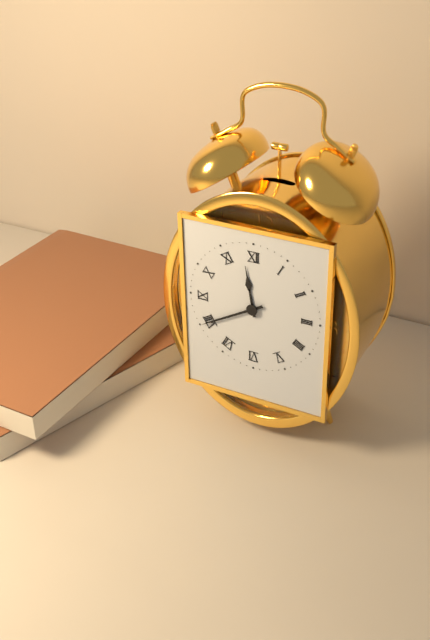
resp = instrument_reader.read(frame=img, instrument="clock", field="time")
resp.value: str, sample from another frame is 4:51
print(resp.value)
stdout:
11:40
